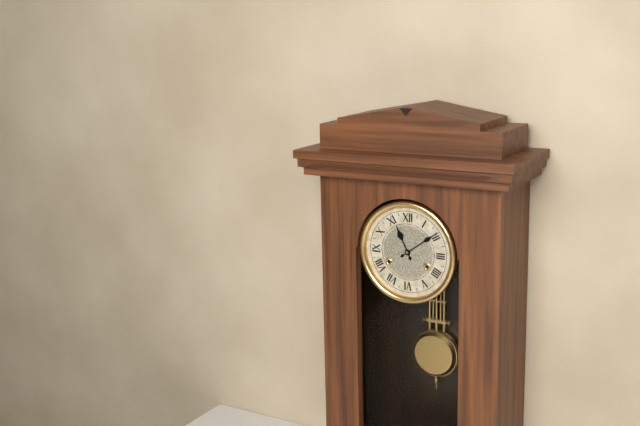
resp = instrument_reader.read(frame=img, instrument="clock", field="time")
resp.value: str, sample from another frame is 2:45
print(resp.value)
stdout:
11:09
